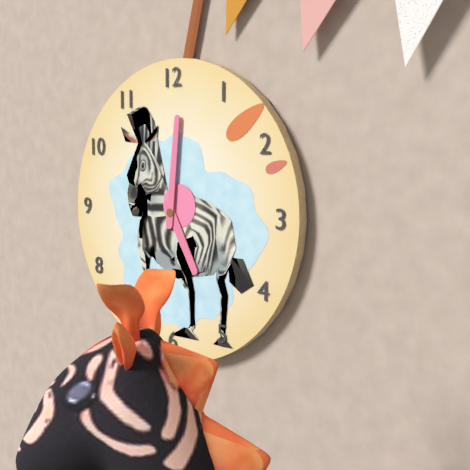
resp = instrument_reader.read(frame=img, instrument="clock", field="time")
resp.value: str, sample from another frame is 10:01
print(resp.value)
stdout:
5:01
